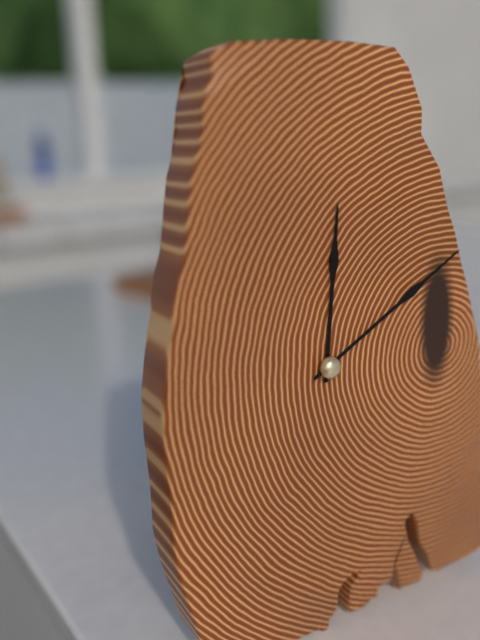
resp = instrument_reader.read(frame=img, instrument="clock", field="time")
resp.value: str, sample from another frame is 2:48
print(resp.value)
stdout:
12:10
